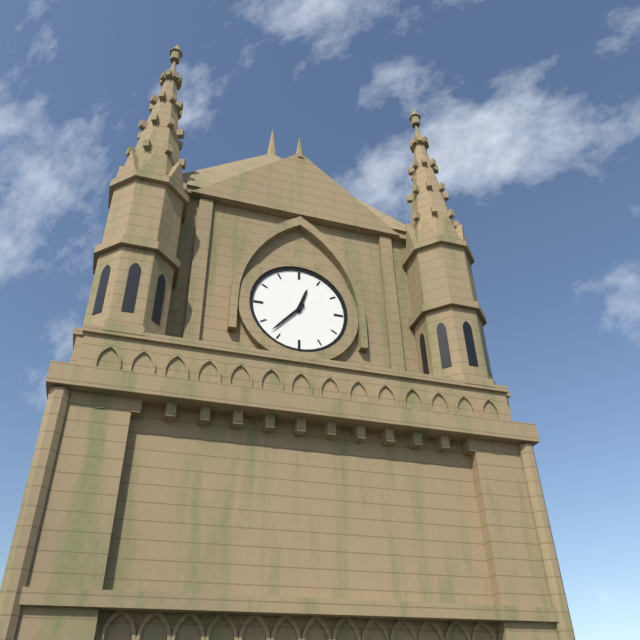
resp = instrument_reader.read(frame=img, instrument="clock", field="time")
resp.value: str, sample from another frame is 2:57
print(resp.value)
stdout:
12:37
